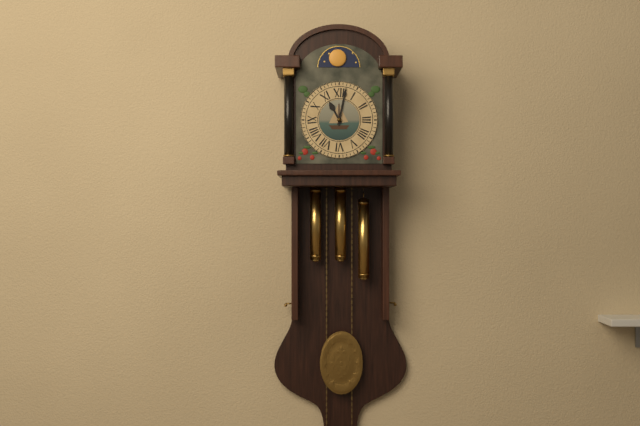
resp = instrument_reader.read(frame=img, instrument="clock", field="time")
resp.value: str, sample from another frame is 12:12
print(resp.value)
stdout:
11:02
